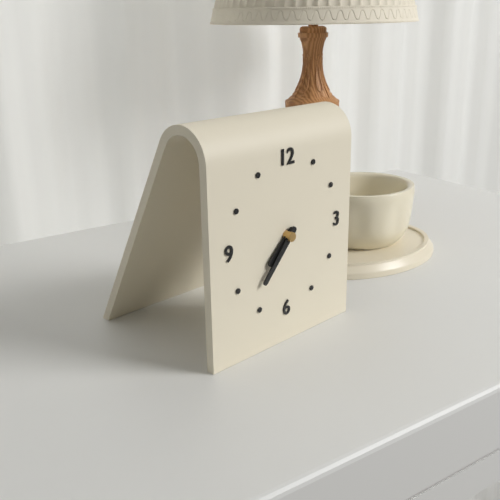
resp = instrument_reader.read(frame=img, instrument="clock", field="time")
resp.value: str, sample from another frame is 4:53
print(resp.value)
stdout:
7:37
